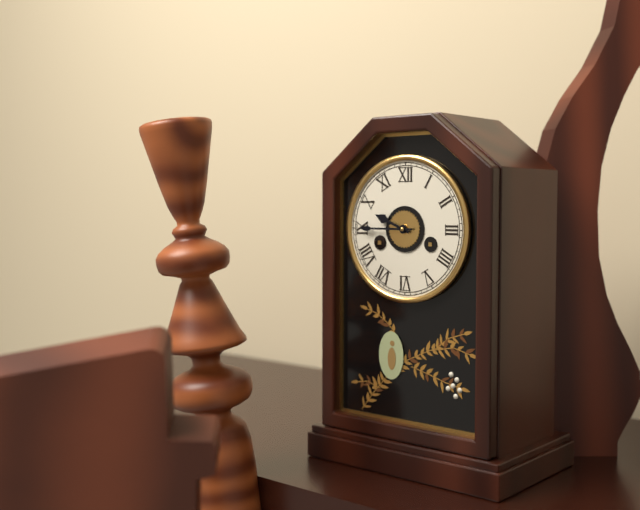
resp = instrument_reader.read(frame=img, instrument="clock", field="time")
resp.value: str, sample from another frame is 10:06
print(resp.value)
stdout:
9:45
